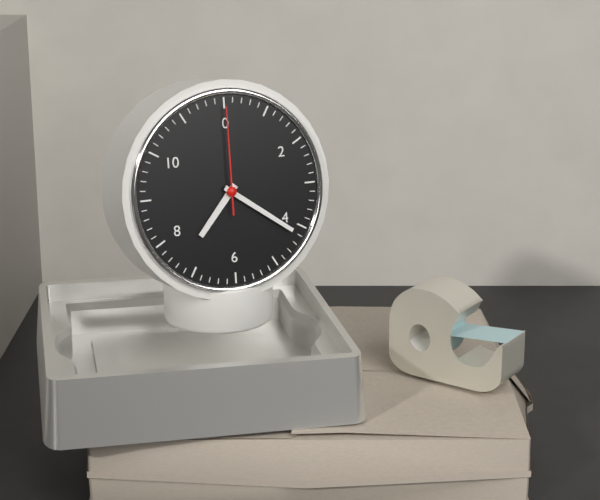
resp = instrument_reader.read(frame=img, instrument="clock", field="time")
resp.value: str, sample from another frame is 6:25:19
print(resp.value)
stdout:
7:21:00
